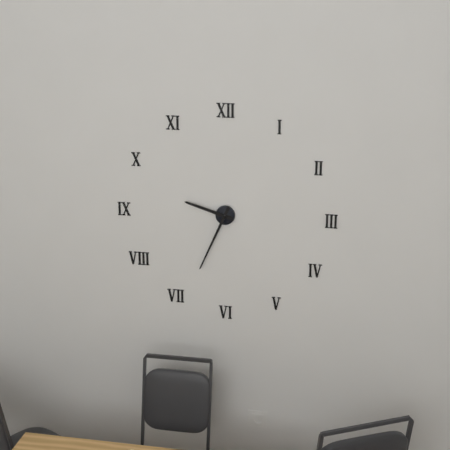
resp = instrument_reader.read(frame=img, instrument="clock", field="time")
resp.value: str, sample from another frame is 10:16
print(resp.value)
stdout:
9:34
